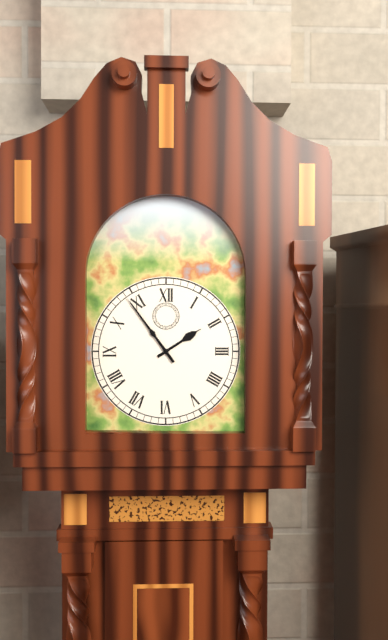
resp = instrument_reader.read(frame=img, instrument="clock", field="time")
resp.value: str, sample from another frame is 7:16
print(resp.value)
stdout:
1:54
